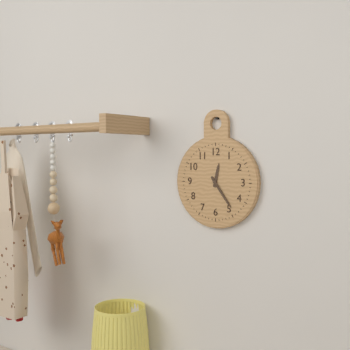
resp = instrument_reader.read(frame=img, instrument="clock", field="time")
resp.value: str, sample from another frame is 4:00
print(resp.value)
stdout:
12:24
